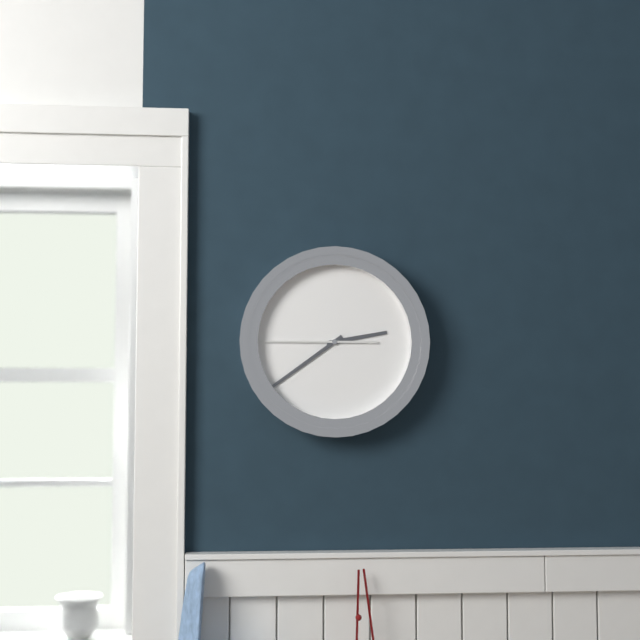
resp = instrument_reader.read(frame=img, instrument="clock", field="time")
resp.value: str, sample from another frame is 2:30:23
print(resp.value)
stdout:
2:39:45
